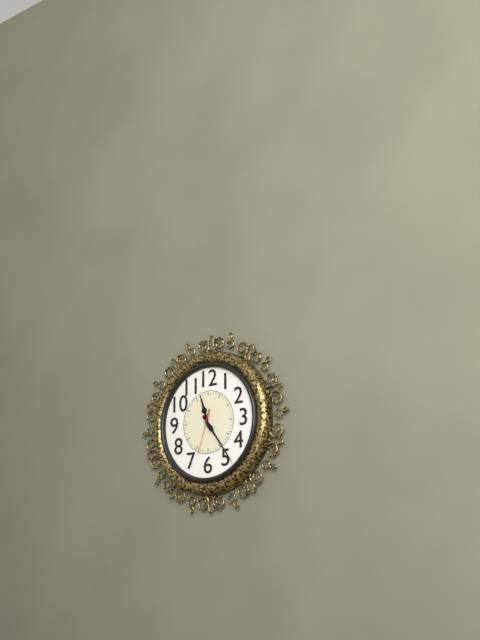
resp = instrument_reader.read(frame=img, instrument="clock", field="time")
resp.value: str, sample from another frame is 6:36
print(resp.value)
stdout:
11:24
